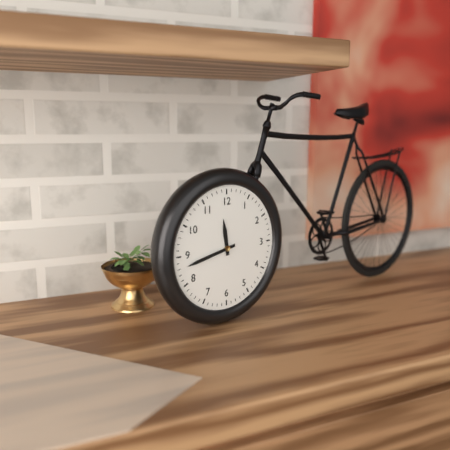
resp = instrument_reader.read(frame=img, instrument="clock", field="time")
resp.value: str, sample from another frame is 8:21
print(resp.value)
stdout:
11:43
